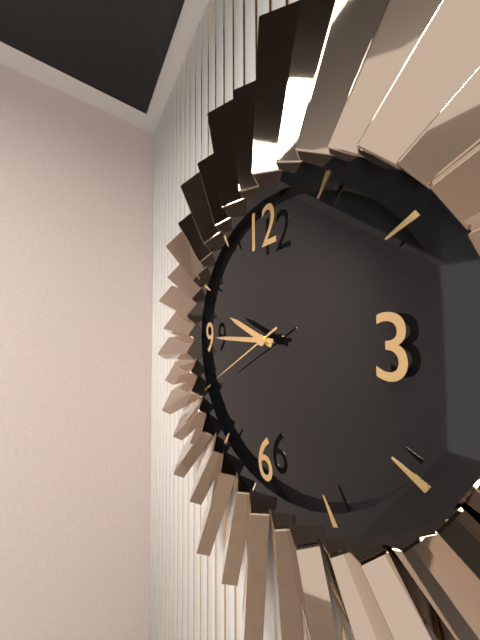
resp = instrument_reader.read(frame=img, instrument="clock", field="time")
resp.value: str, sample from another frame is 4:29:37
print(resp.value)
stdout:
9:45:40
